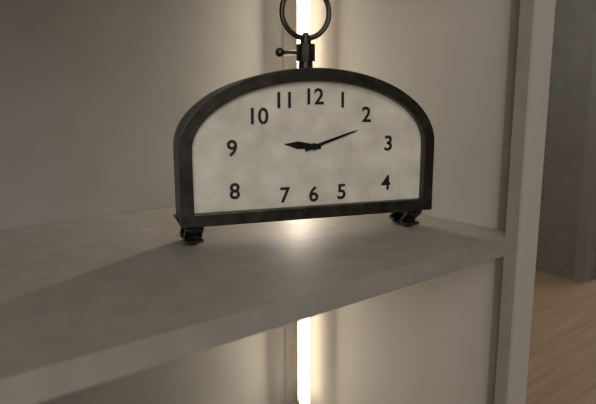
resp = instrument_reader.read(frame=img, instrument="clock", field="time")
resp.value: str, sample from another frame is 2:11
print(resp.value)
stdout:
9:12
